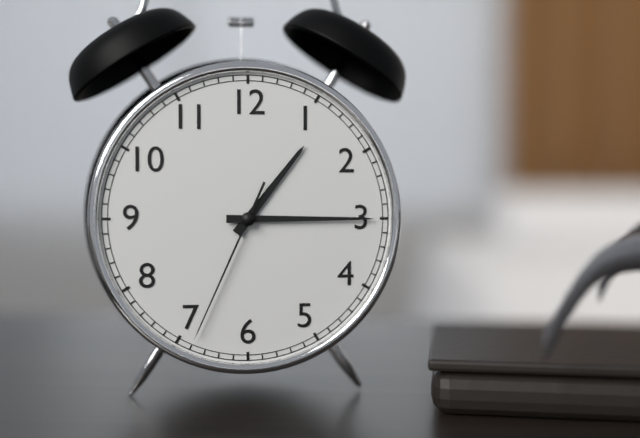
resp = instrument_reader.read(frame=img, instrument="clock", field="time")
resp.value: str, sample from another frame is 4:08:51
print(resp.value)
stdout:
1:15:34
